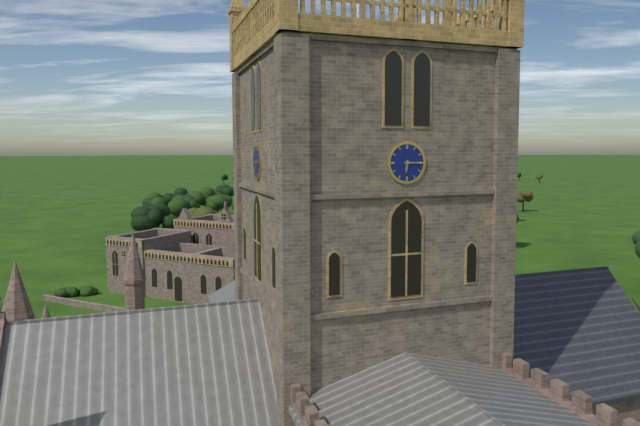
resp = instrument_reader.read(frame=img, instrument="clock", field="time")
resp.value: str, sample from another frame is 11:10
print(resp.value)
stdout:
6:15
